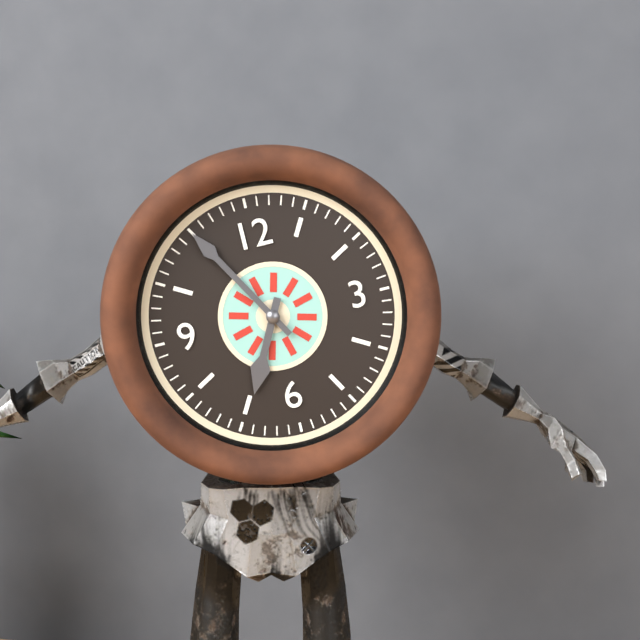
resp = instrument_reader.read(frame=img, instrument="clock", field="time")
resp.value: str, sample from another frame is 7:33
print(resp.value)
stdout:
6:55
